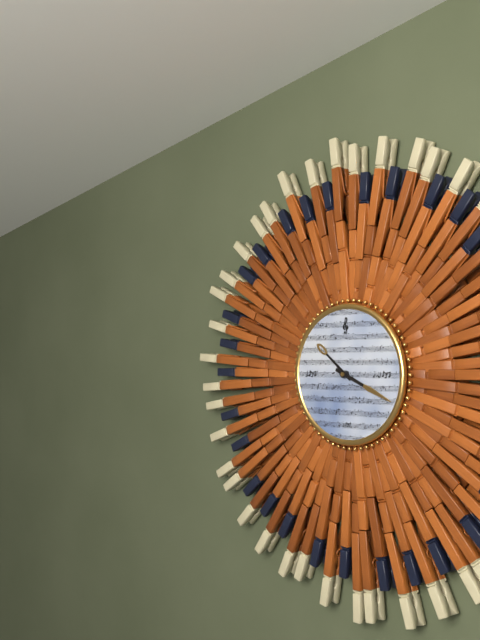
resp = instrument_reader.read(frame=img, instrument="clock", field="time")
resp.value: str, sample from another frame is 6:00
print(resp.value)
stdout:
10:19
